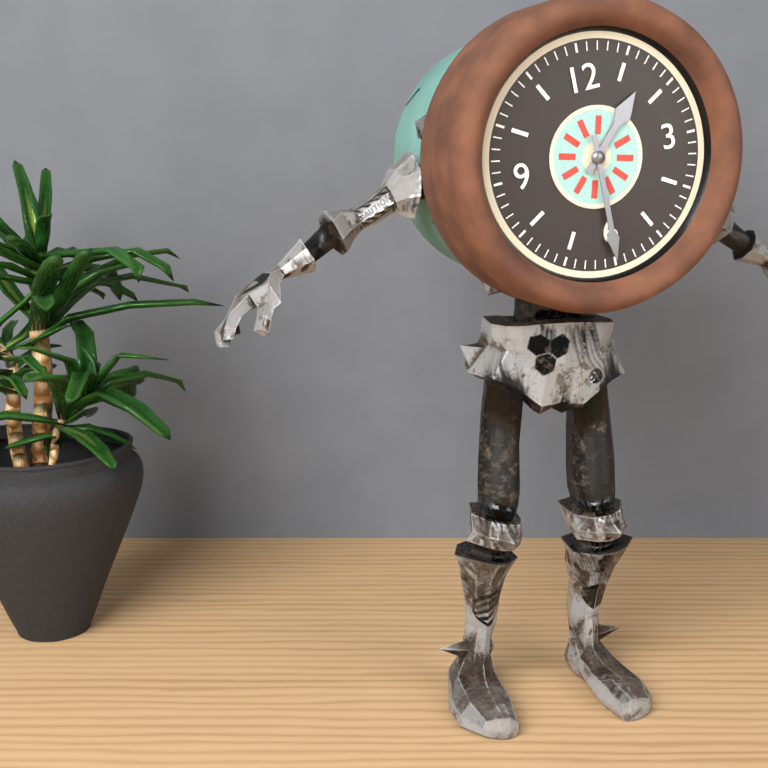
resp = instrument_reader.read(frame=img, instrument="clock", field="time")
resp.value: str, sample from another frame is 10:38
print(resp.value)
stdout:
1:30
